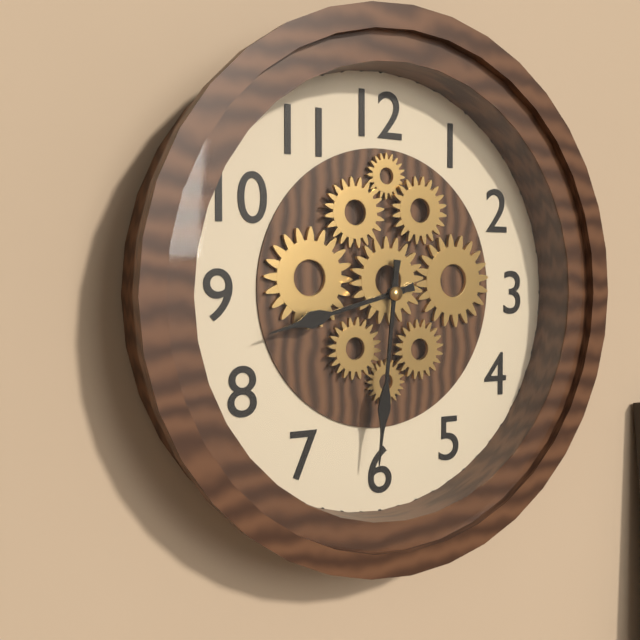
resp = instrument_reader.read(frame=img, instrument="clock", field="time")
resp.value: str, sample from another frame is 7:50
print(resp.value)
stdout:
8:31
